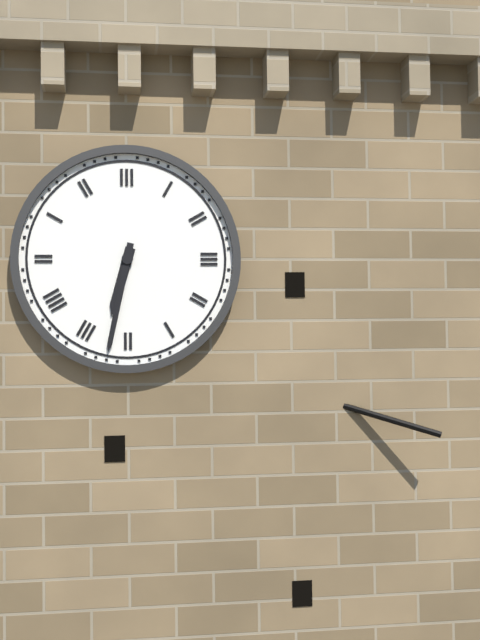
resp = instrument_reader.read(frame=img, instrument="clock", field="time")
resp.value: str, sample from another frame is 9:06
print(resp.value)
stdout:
6:32
